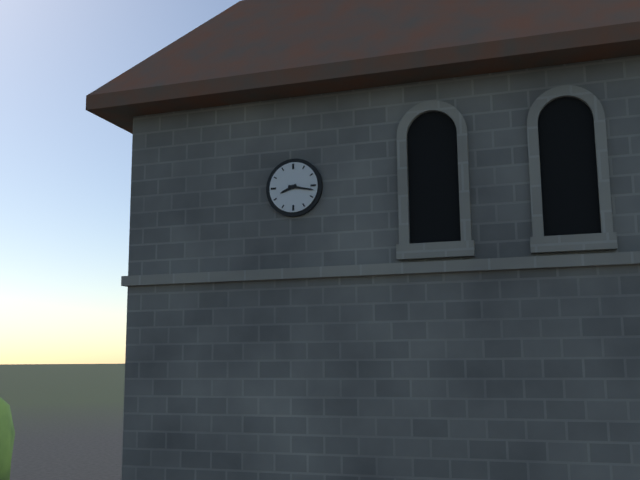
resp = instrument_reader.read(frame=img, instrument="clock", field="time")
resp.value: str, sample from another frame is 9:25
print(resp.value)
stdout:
8:17
